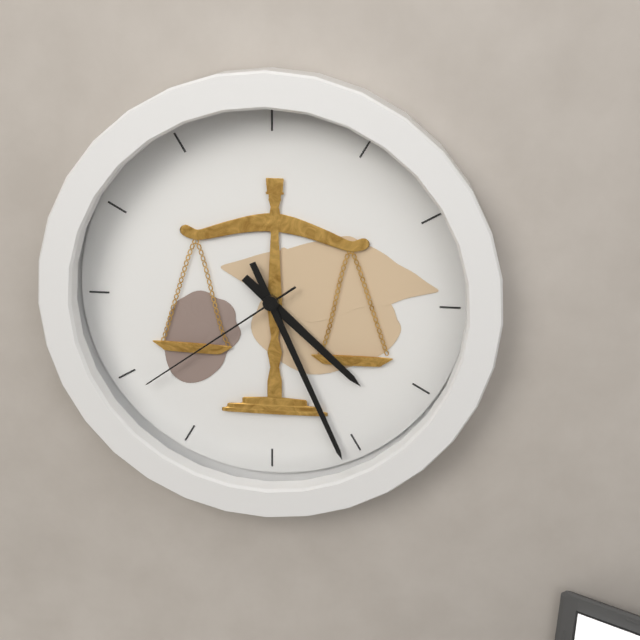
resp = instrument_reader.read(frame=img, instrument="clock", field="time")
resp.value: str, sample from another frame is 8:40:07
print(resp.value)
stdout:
4:26:39
